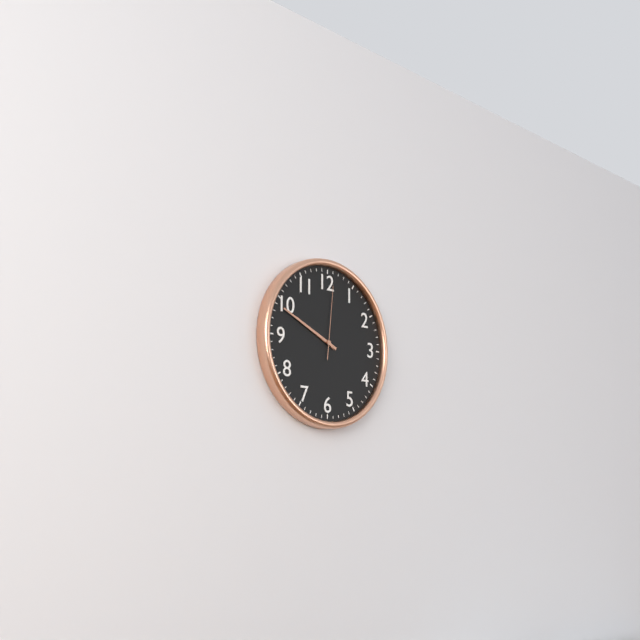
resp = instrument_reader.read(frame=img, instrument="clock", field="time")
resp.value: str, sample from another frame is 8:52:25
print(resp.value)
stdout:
9:49:01
